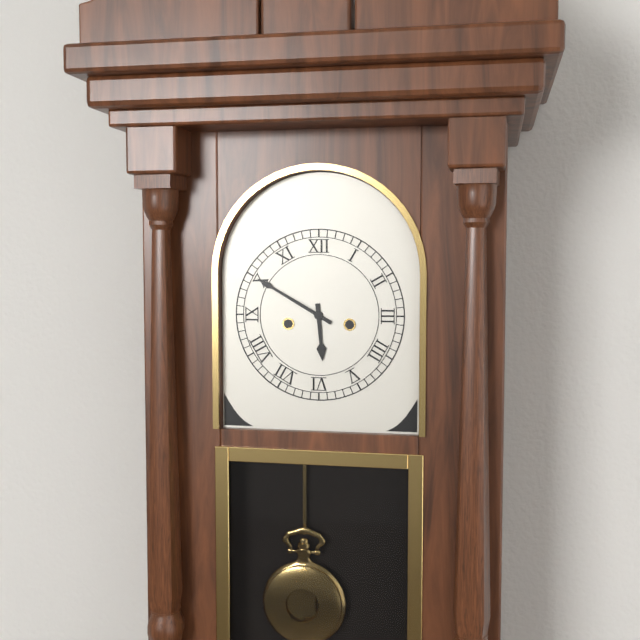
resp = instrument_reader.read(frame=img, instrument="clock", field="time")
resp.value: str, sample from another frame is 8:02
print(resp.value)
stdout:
5:50
